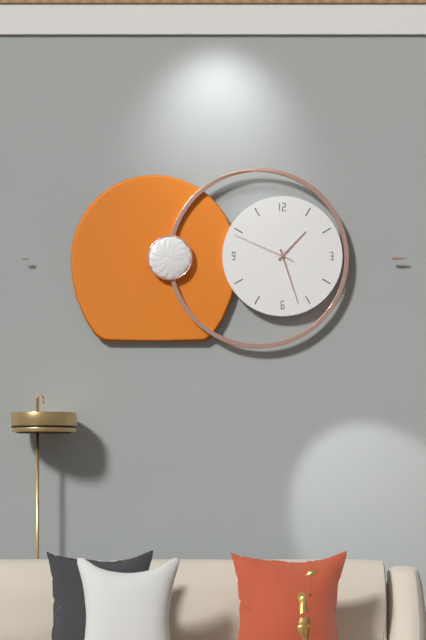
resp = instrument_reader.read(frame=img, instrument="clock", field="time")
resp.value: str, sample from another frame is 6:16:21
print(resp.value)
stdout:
1:27:49
